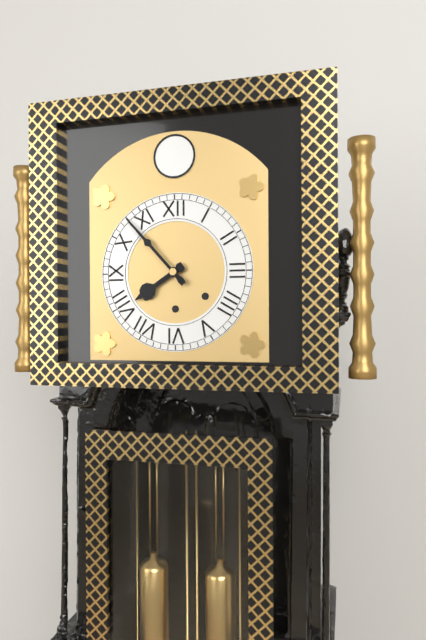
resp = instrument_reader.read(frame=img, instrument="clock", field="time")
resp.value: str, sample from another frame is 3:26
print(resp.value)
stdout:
7:53
